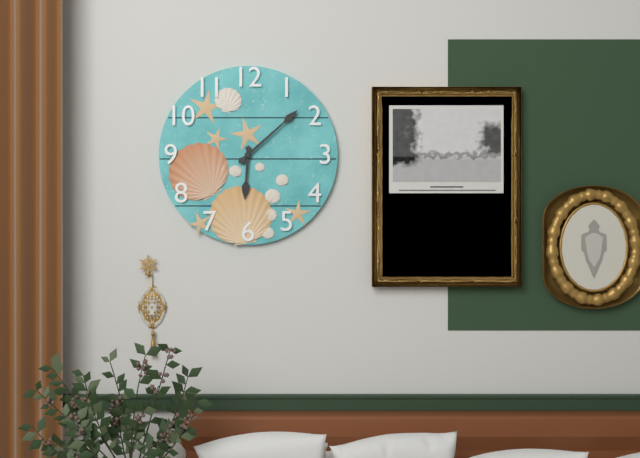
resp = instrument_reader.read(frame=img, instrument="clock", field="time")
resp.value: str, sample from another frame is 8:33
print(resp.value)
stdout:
6:08
